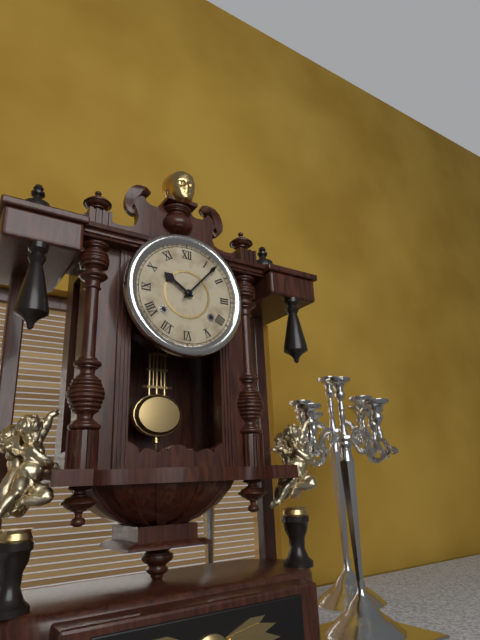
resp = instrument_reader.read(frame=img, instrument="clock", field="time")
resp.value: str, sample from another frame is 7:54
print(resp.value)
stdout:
10:07
